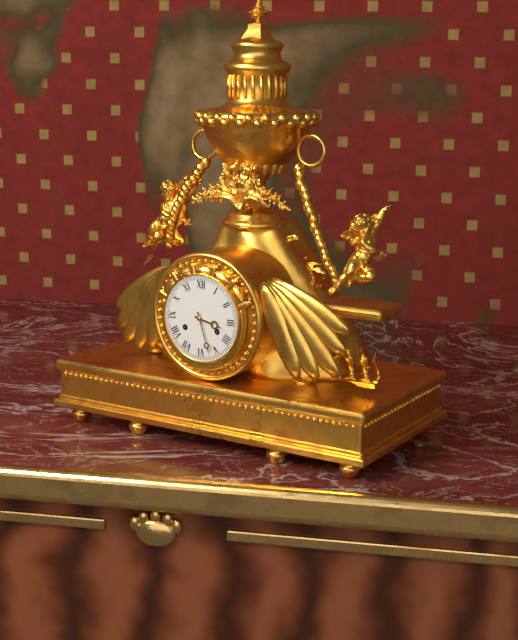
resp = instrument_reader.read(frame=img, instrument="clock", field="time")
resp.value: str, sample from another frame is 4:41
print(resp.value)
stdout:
3:27
